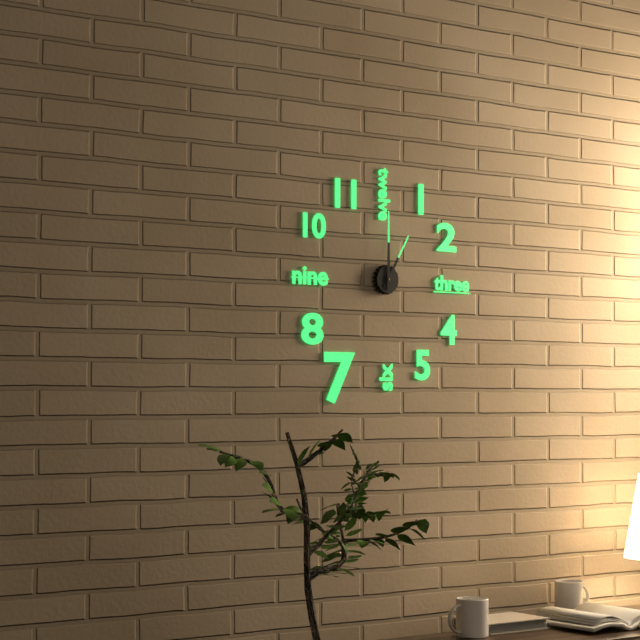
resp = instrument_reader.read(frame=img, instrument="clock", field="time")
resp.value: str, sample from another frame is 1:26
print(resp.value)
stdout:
1:00
